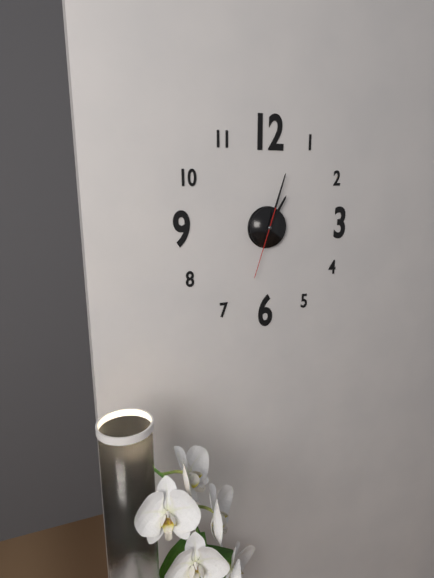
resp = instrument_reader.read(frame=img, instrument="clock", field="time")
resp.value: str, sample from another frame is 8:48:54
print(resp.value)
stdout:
1:03:33
